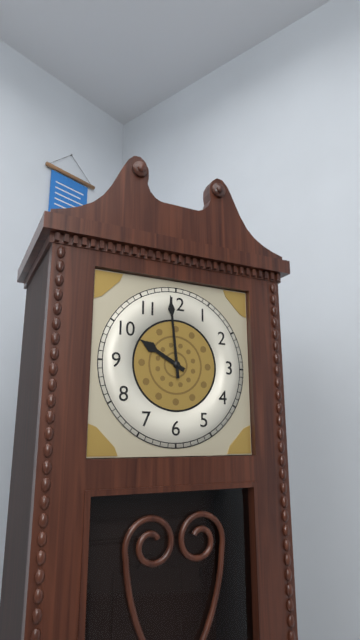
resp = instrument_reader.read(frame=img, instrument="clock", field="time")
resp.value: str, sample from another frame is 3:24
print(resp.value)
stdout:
9:59
